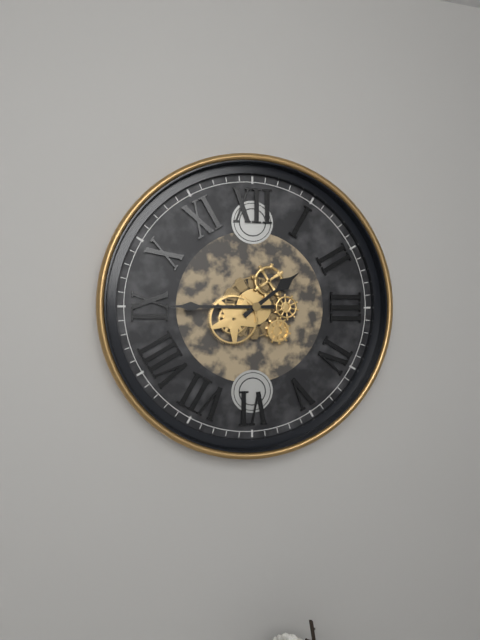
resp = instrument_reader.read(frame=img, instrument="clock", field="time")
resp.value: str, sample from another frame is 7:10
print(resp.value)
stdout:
1:45
